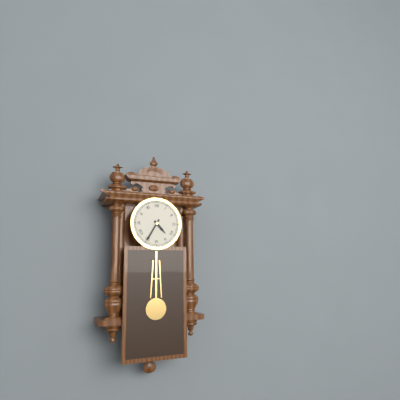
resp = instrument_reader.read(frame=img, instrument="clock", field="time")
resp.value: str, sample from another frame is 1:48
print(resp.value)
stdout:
4:35
